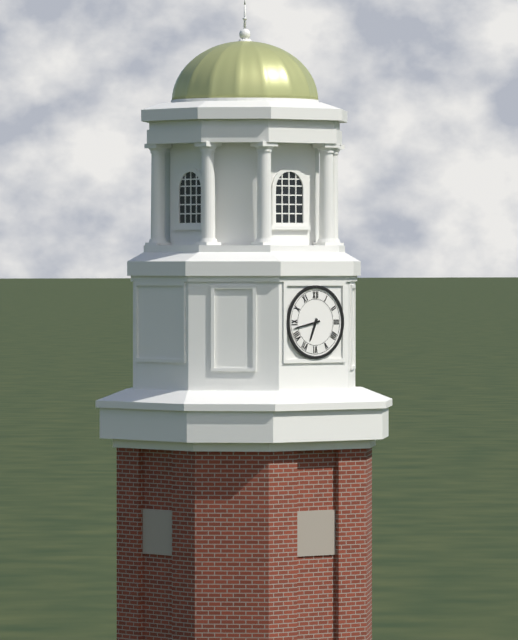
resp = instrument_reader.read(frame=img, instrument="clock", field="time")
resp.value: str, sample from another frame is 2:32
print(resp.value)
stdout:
6:43
